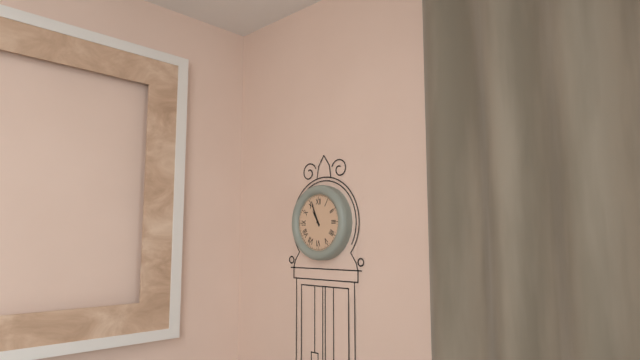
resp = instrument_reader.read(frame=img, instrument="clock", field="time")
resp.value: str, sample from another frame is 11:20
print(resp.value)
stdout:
10:56
